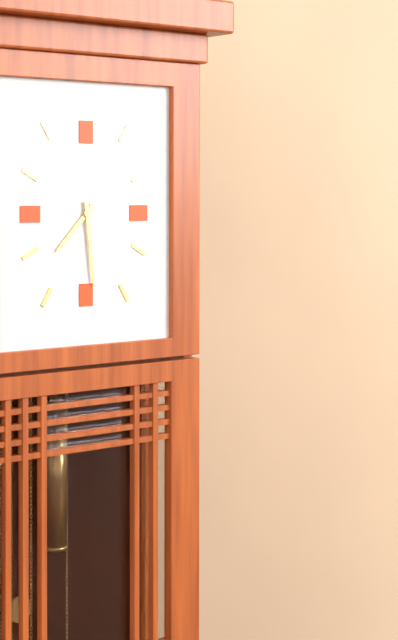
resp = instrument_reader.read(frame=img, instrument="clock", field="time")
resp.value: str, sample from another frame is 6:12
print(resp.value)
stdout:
7:29
